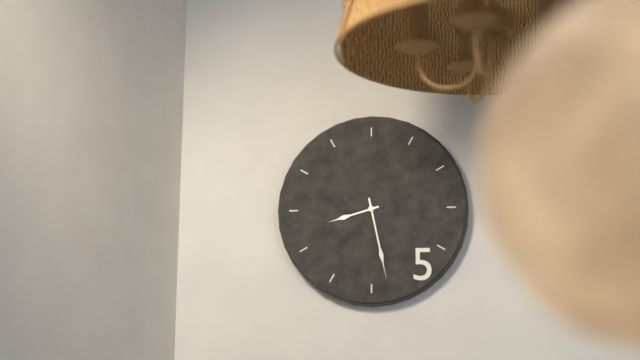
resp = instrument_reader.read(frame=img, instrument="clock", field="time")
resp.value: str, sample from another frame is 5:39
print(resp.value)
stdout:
8:28
